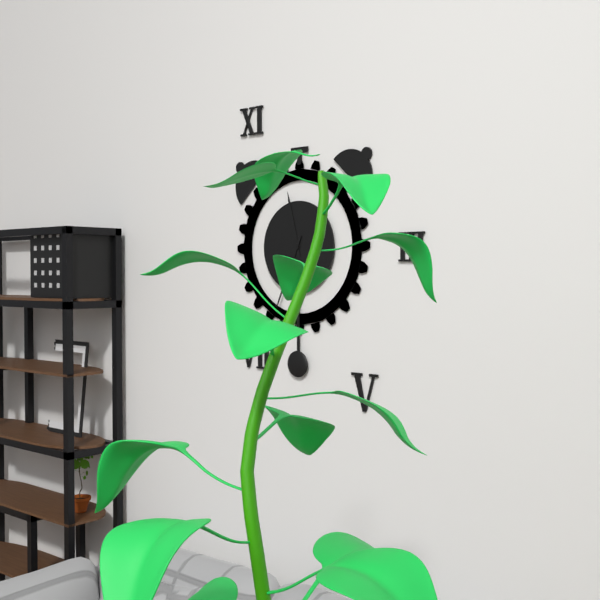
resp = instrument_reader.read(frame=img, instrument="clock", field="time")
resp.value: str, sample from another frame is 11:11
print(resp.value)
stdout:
11:34
